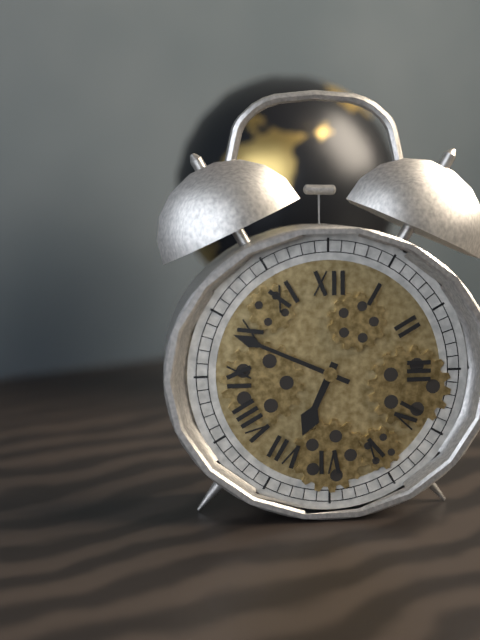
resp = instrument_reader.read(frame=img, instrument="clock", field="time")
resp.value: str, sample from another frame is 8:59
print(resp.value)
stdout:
6:49
